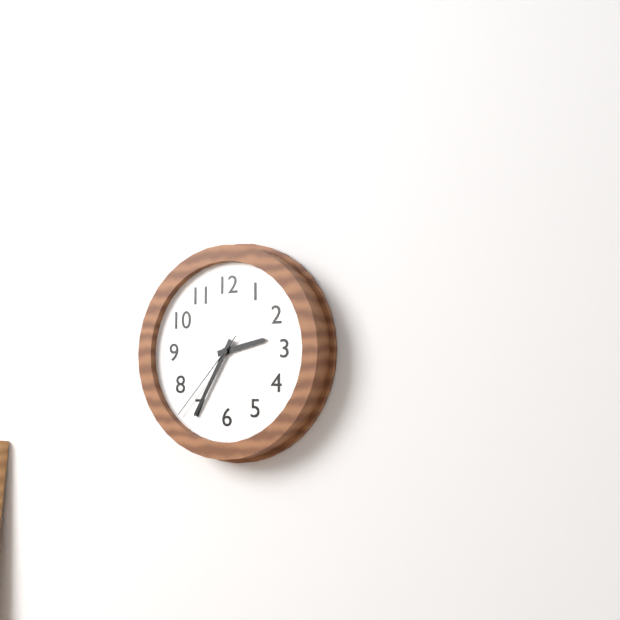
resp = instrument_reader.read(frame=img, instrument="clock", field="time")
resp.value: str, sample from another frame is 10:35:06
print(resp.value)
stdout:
2:35:37
